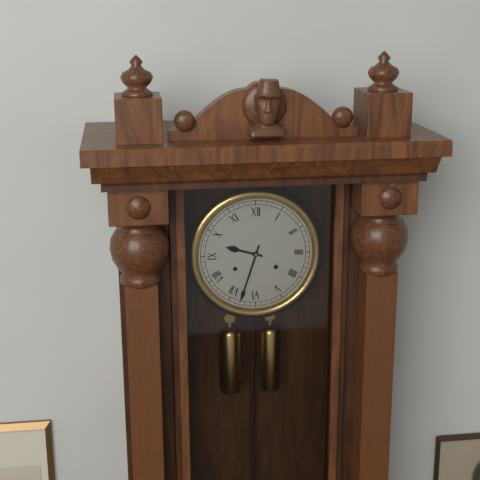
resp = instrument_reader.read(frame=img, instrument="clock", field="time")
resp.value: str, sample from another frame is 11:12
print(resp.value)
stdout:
9:33
